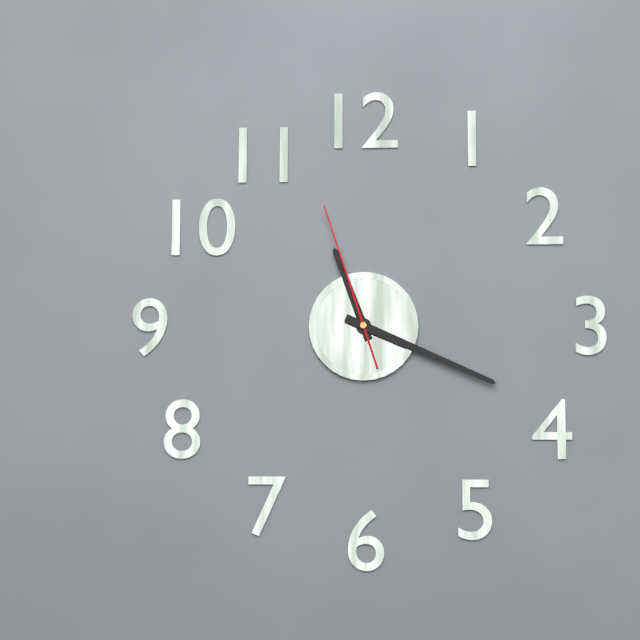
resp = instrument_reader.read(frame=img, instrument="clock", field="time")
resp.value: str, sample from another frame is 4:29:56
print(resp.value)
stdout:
11:19:57
